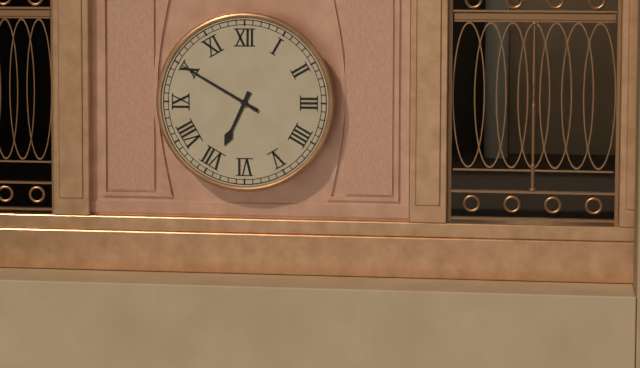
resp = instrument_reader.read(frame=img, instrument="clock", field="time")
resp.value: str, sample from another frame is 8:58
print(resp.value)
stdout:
6:50
